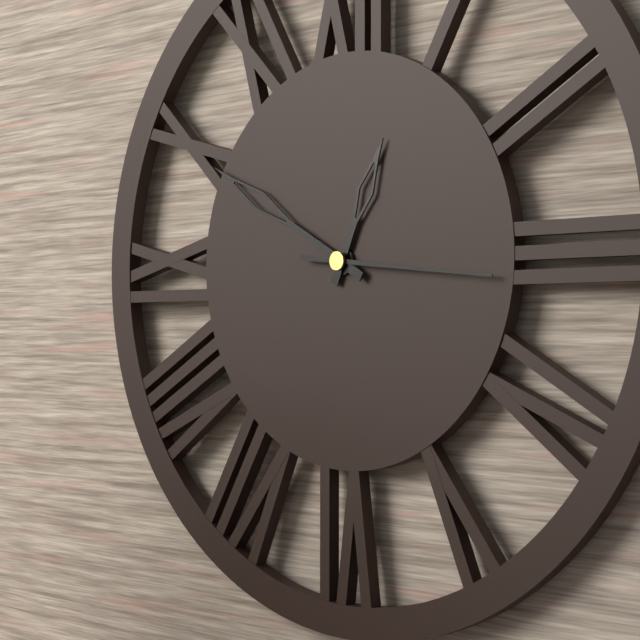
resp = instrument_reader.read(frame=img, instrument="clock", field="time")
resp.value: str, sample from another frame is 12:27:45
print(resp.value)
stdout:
12:50:16
